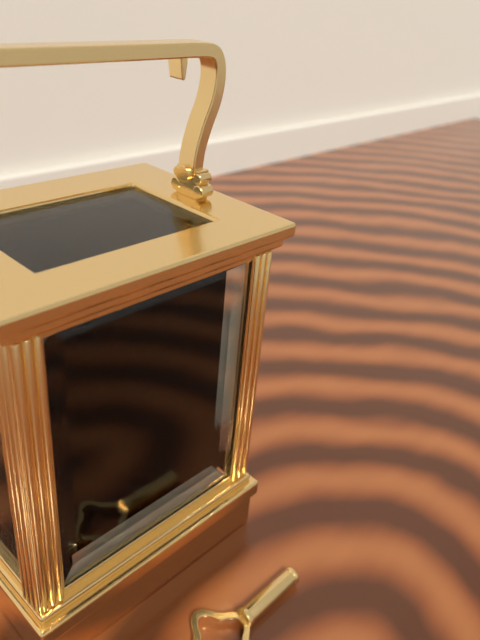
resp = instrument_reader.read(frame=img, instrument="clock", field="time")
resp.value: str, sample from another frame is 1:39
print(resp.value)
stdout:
4:13
